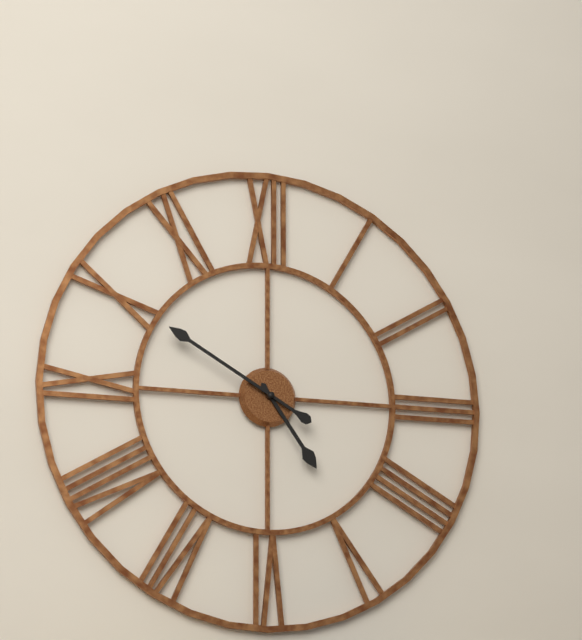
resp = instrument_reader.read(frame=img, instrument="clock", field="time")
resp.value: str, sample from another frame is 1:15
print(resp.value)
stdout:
4:50
